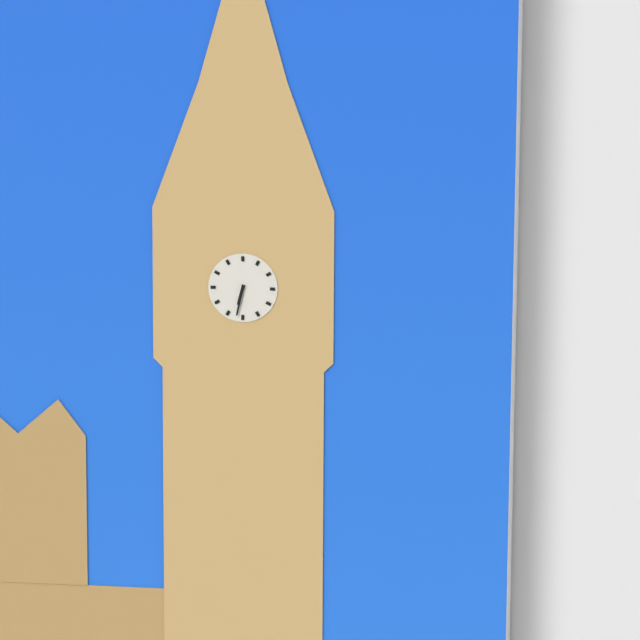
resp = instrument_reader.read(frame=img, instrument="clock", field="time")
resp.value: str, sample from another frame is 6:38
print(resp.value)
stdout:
6:32
